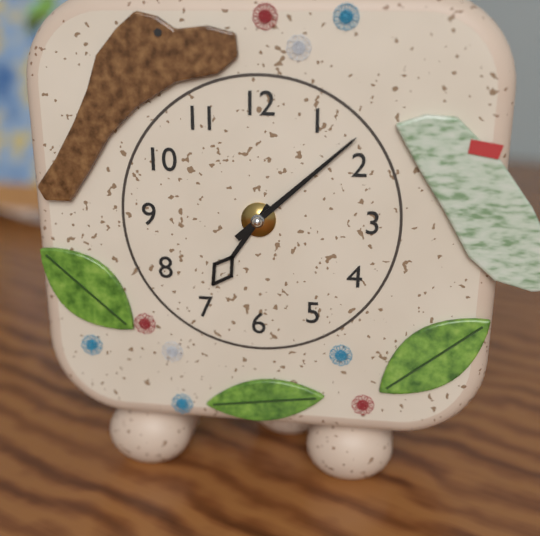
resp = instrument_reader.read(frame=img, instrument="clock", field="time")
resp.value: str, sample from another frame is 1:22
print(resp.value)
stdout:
7:08
